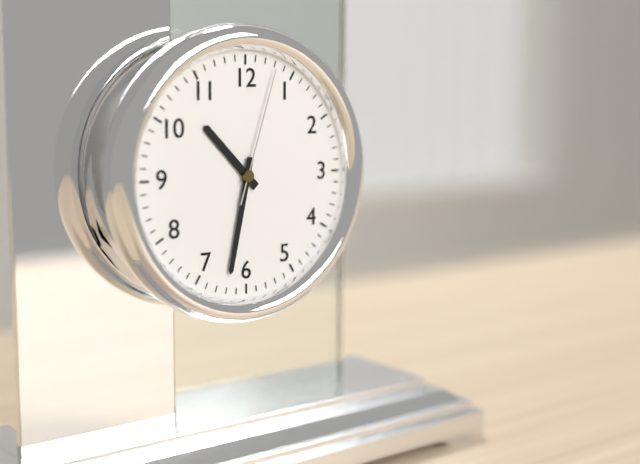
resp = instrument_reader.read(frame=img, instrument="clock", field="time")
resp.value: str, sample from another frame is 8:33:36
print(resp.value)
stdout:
10:32:03
